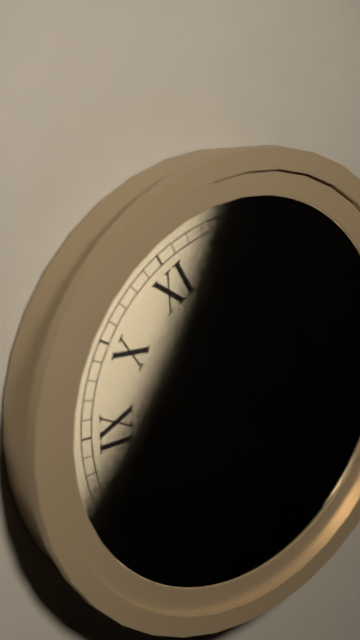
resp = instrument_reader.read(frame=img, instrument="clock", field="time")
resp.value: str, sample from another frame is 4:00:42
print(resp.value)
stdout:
9:06:01
